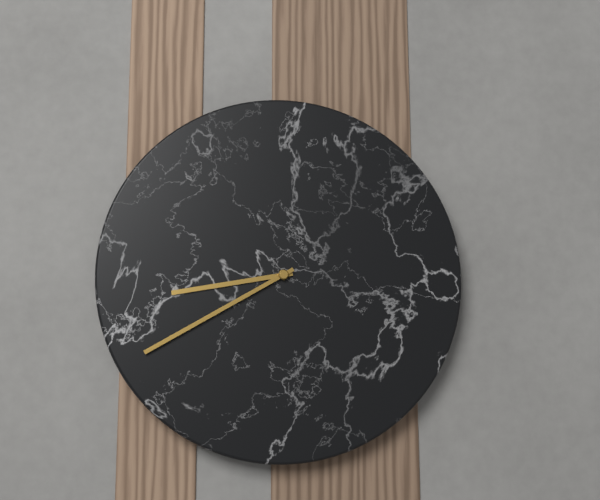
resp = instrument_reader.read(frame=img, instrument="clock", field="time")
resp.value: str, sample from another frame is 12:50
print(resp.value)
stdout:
8:40
